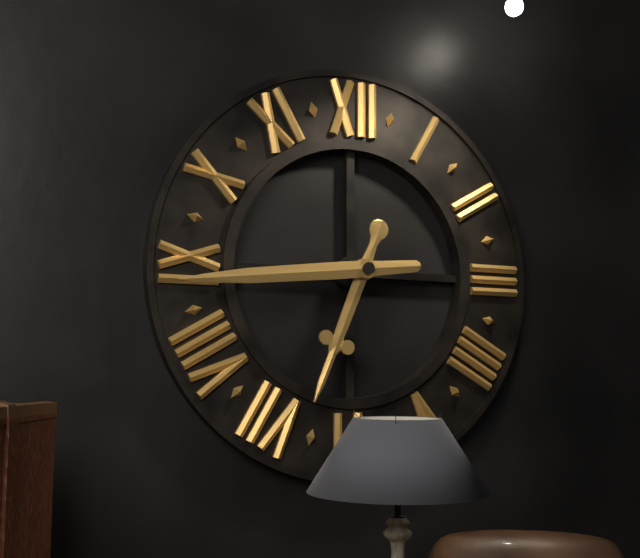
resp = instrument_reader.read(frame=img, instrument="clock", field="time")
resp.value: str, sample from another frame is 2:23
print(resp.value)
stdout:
6:44
